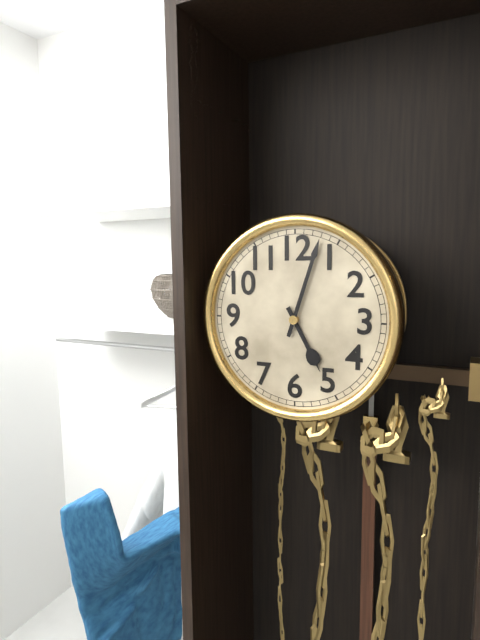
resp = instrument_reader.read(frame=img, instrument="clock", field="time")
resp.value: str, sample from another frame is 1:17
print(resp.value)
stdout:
5:03
